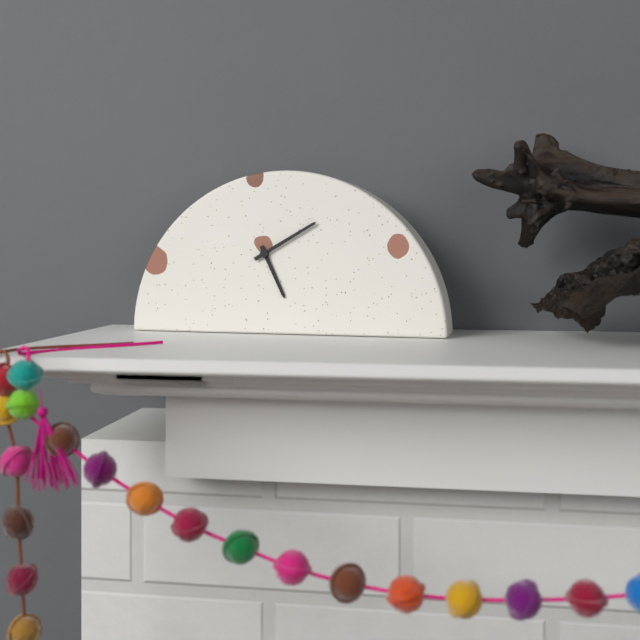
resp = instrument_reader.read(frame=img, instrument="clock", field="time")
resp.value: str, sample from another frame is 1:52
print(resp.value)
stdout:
5:10
